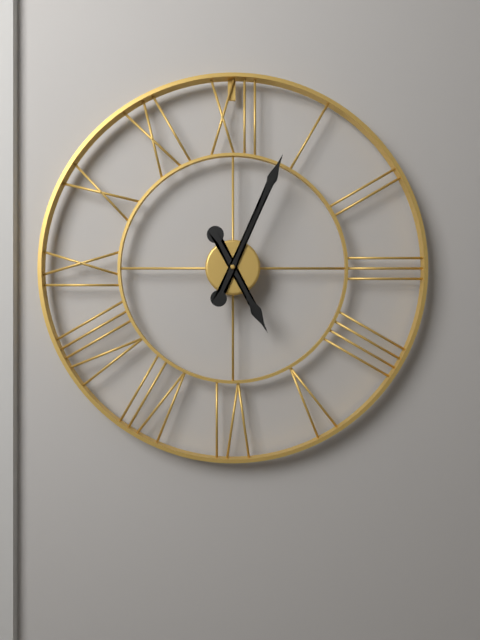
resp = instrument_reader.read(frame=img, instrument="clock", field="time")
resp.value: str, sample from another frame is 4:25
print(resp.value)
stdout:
5:04
